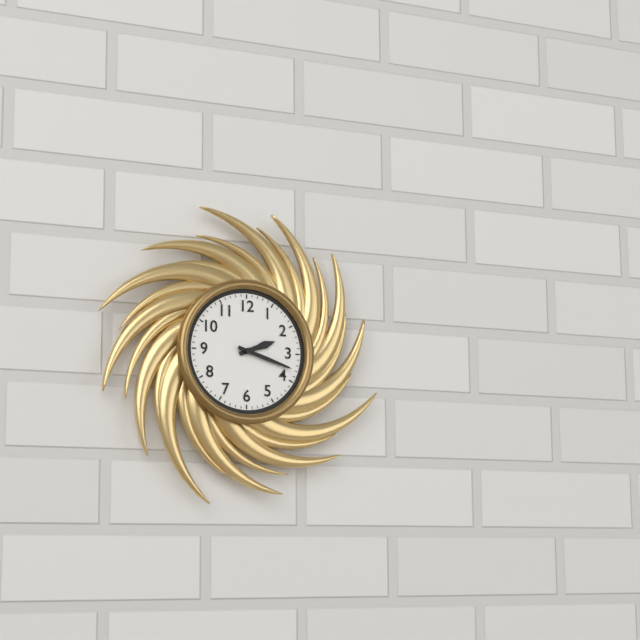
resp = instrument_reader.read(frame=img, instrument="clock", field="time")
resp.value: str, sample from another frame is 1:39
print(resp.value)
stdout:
2:18
